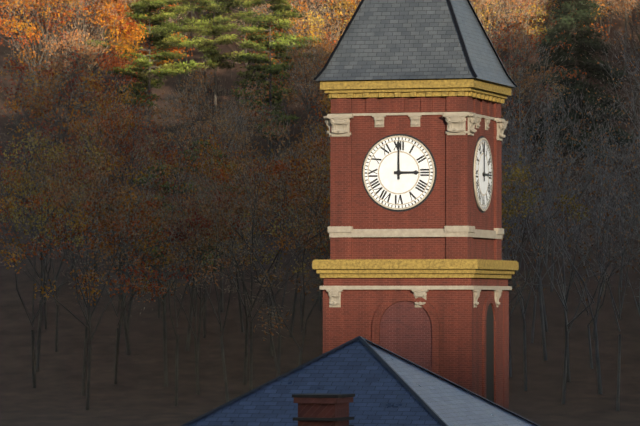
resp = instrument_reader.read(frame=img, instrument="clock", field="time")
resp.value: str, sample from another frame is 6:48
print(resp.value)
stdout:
3:00
